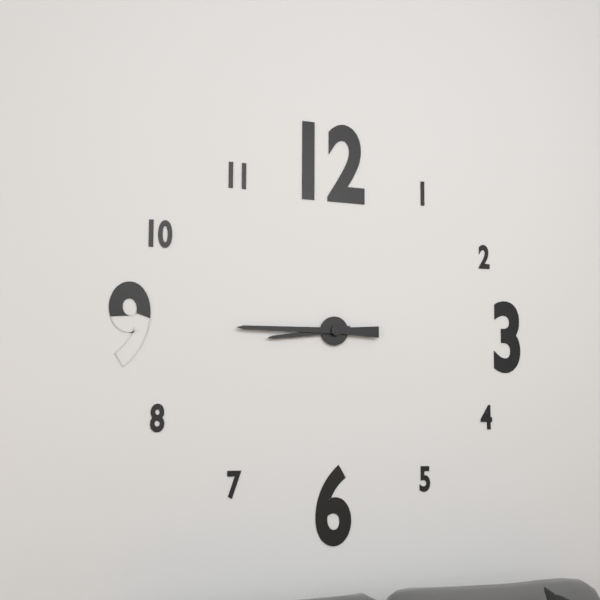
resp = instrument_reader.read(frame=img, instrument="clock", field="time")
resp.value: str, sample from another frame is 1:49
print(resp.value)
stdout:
8:45
